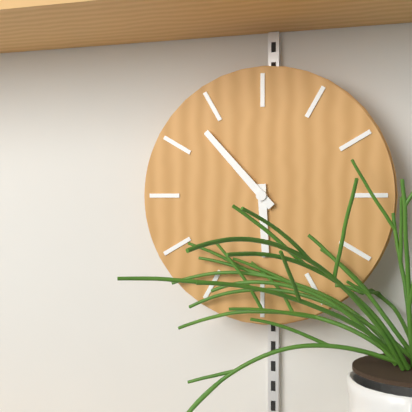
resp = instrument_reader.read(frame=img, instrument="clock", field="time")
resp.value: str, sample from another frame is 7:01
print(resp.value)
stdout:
5:53
